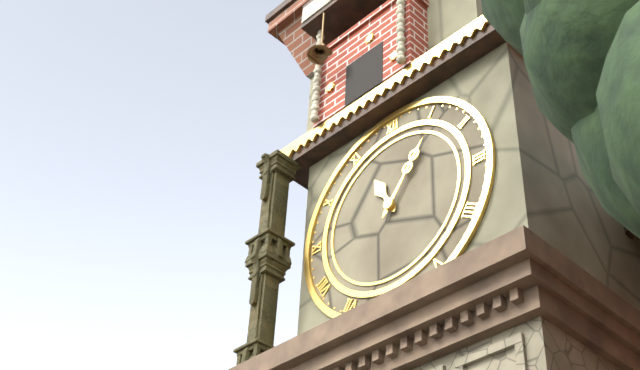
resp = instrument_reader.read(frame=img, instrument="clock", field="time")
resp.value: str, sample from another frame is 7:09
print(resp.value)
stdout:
11:06
